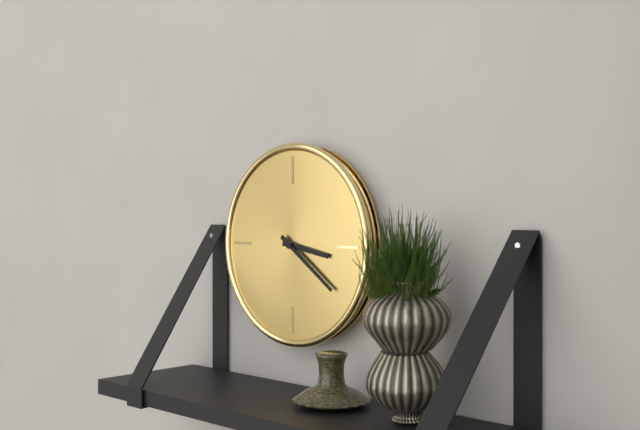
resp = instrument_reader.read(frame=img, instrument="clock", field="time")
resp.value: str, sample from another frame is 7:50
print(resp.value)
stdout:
3:21
